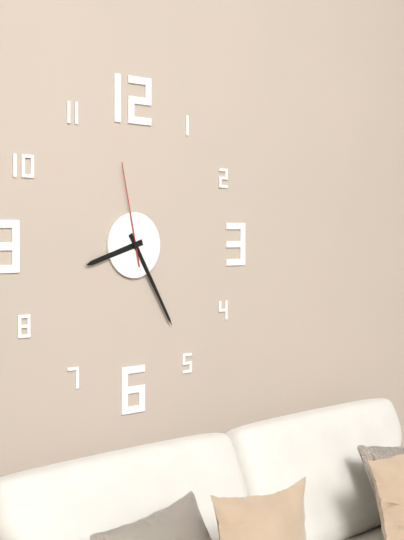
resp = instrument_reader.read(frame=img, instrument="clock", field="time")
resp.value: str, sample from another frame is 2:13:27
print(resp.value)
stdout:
8:25:58
